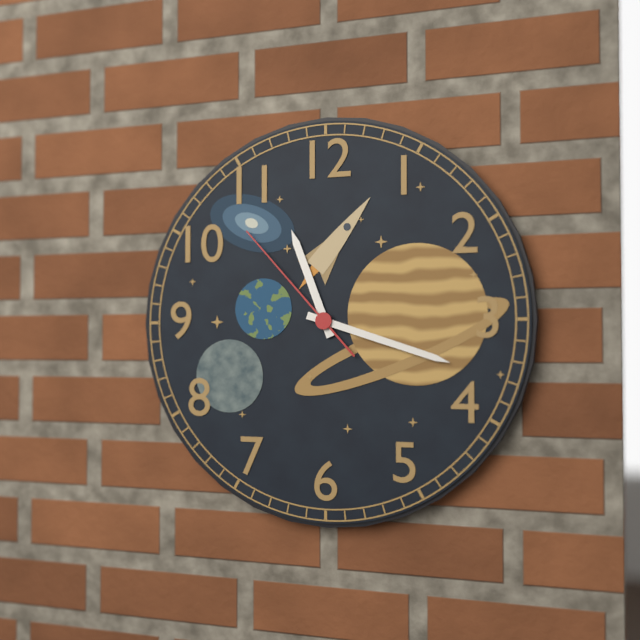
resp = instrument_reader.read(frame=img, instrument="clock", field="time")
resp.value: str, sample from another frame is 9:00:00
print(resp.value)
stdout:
11:18:53
